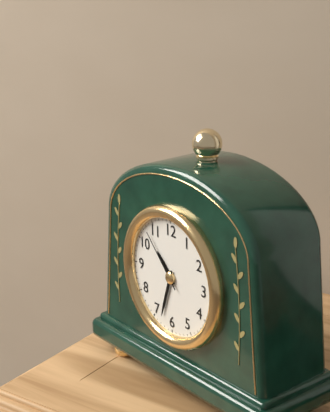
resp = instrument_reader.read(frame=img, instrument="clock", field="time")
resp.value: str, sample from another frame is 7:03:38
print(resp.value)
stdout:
10:33:53
